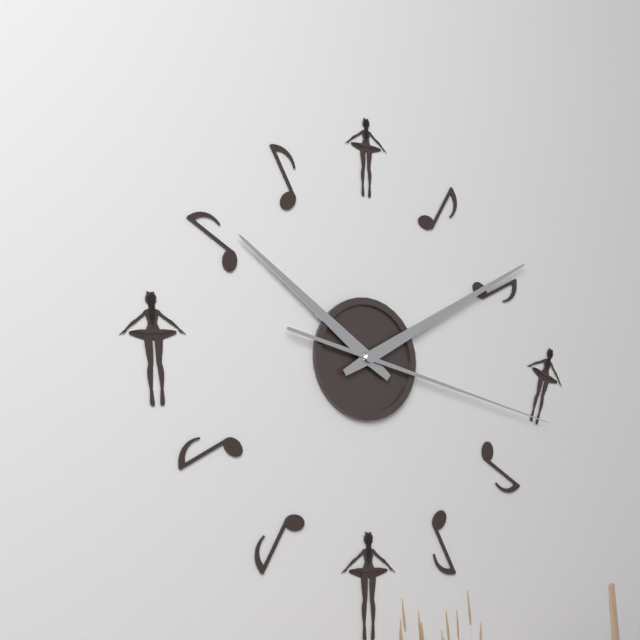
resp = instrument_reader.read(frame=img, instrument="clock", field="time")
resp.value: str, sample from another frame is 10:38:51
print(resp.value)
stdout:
10:10:17
